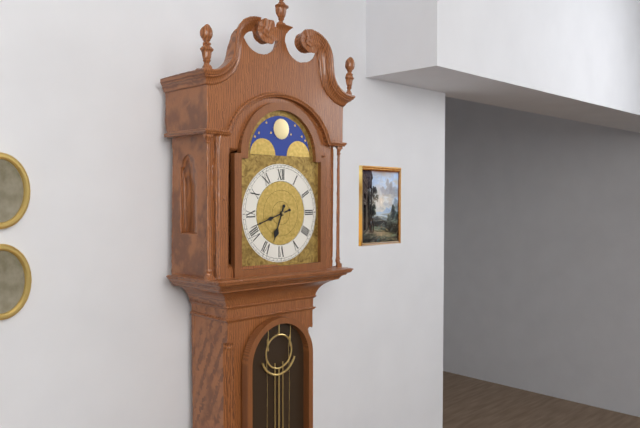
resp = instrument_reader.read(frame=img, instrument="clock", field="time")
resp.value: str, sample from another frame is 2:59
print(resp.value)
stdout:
6:42
